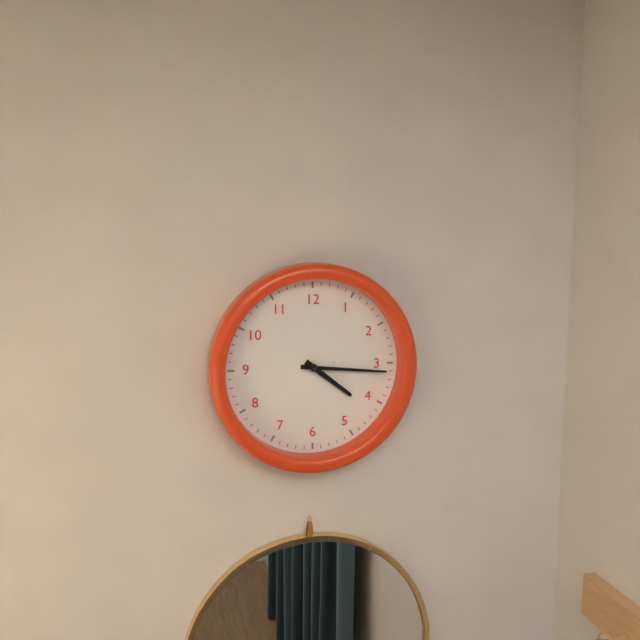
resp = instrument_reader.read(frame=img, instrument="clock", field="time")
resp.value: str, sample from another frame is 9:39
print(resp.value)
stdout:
4:16
